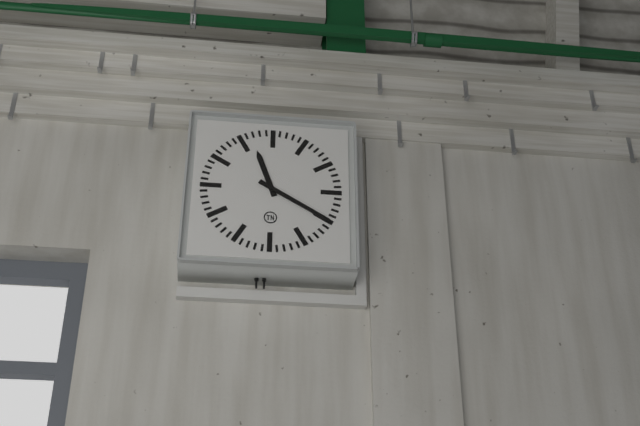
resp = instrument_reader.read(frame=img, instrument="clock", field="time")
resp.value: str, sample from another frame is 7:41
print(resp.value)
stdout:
11:20
